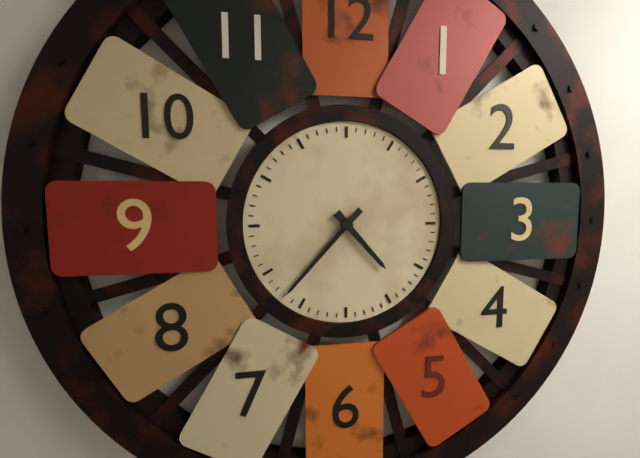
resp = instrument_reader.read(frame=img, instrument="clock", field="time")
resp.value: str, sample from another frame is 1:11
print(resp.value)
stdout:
4:37
